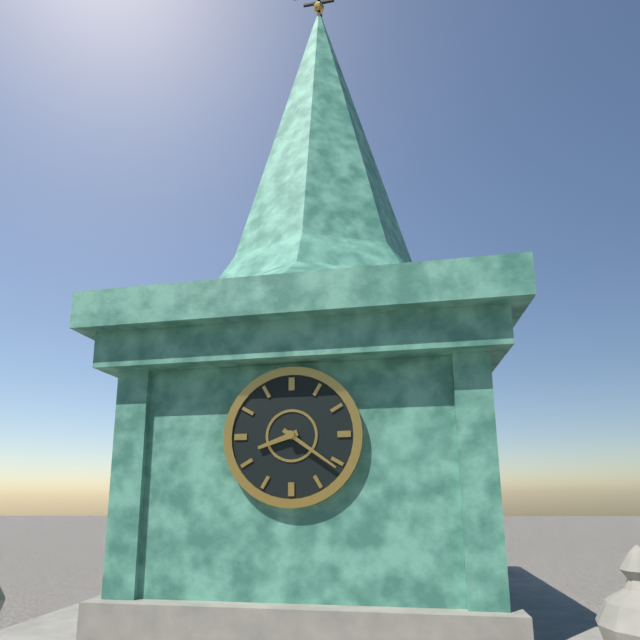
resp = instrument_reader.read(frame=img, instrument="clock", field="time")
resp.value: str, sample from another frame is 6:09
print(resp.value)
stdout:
8:21
